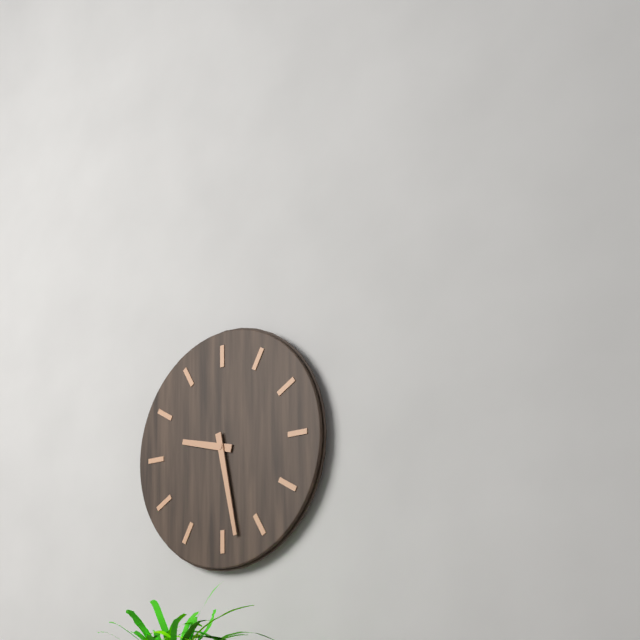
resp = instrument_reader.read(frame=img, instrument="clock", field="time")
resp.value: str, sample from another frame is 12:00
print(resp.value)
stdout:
9:28
